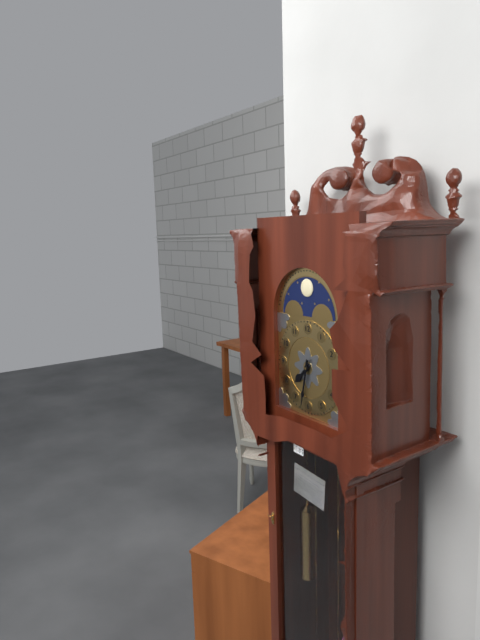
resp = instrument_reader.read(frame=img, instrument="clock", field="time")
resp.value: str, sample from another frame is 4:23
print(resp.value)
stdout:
7:32
